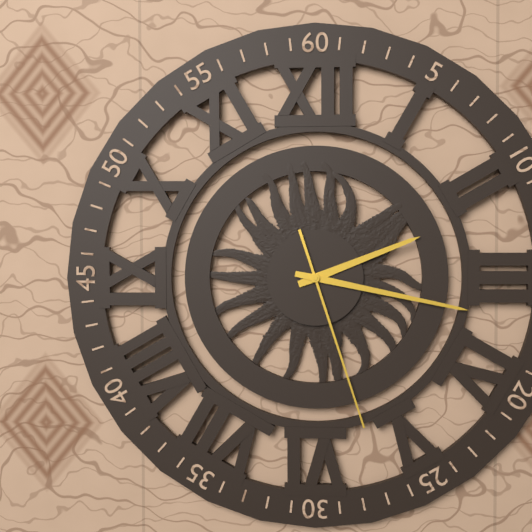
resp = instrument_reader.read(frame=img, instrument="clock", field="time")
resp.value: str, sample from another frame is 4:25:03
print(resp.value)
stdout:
2:17:27
